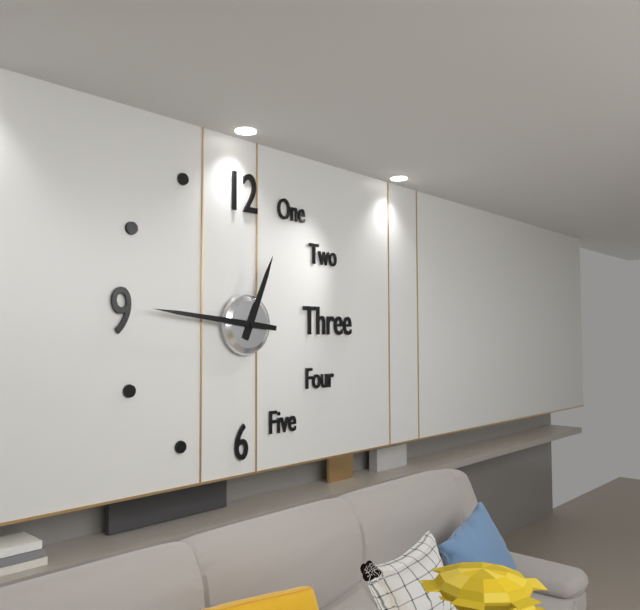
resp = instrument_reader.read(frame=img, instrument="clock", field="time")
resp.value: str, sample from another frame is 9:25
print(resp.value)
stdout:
12:46
